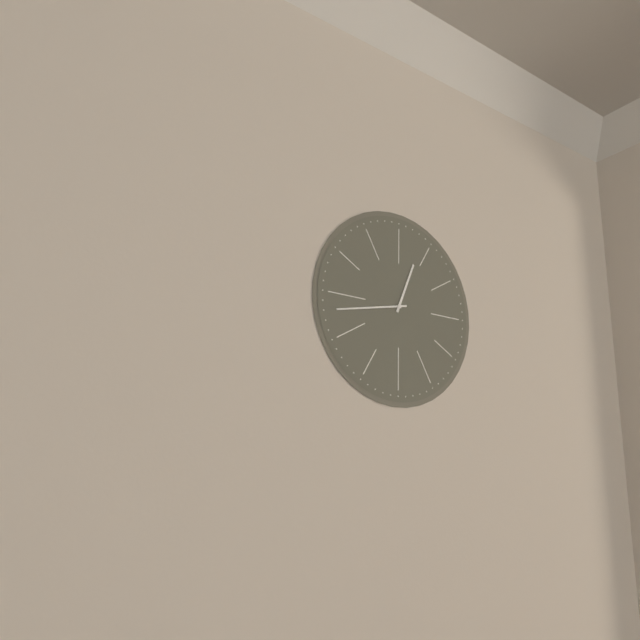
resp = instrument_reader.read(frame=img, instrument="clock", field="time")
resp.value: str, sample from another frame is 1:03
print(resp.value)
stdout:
12:43
